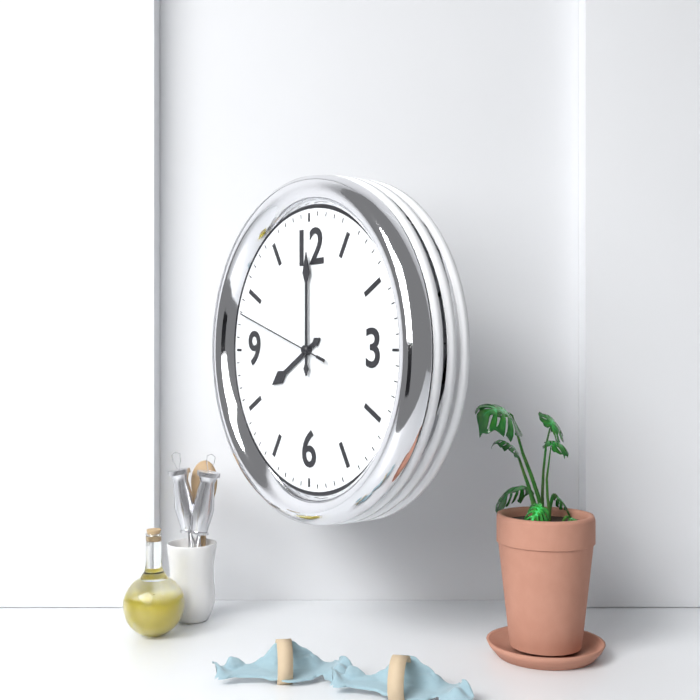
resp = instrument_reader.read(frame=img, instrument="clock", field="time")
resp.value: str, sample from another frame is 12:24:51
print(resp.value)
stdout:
8:00:48
